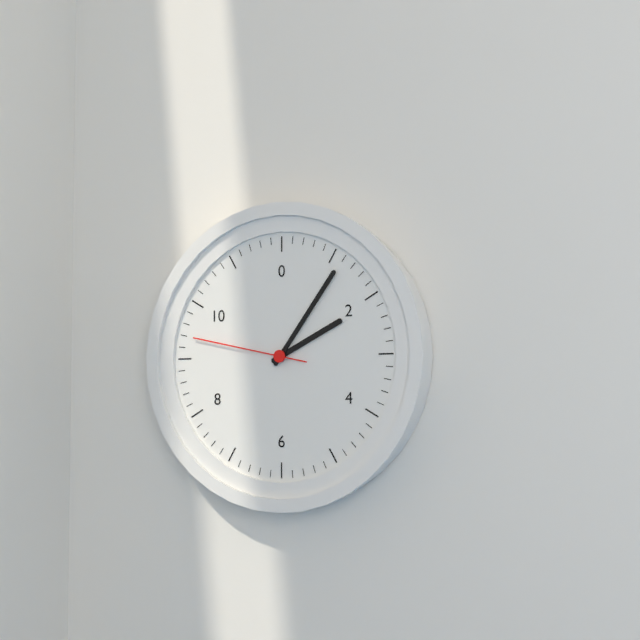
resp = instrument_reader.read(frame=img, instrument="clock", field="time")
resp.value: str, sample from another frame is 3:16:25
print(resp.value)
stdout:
2:06:47
